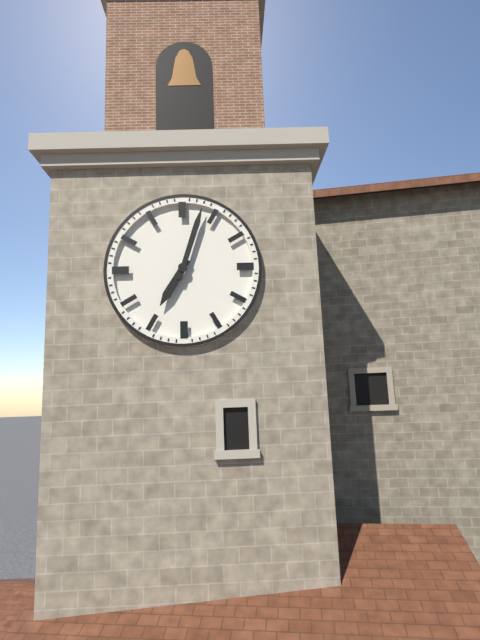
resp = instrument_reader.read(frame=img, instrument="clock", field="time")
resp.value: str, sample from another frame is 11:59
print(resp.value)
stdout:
7:03
